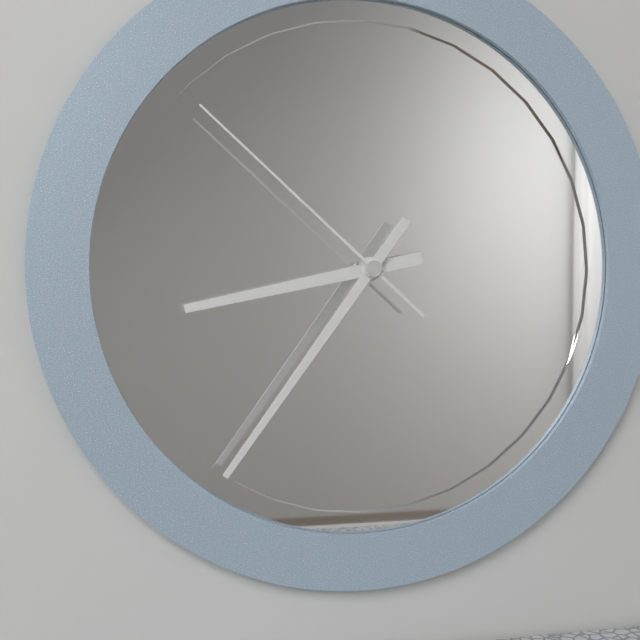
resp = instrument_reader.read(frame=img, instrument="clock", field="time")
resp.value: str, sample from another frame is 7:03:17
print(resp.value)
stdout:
8:36:52
